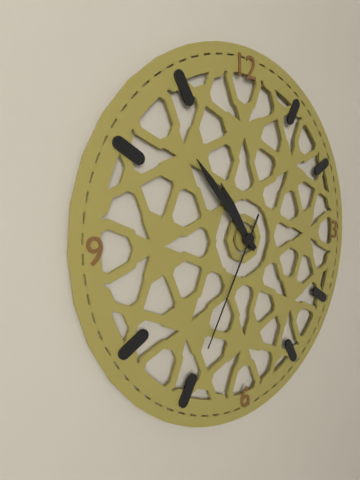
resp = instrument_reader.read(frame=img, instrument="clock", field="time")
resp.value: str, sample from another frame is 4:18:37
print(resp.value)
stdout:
10:53:35
